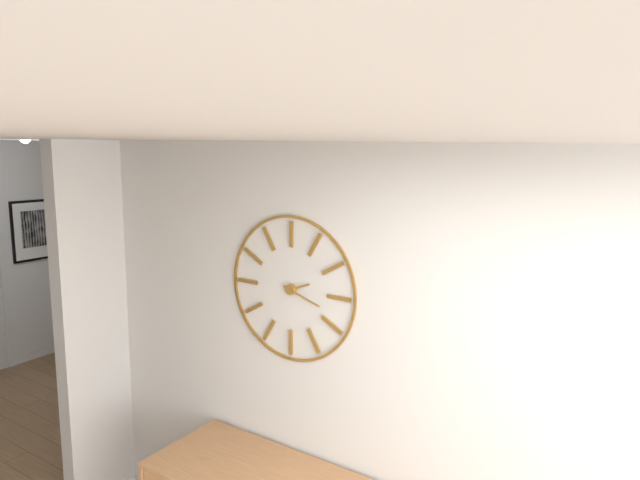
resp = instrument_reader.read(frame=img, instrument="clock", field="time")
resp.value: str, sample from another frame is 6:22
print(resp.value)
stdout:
2:18
